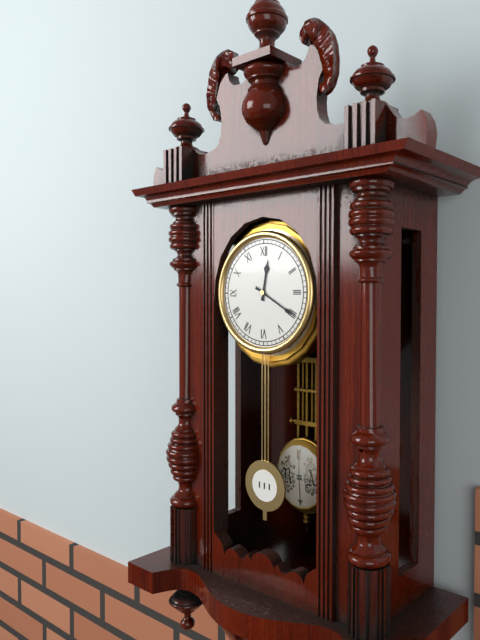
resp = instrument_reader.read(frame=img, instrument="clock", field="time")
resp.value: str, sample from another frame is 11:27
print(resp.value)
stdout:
12:20
